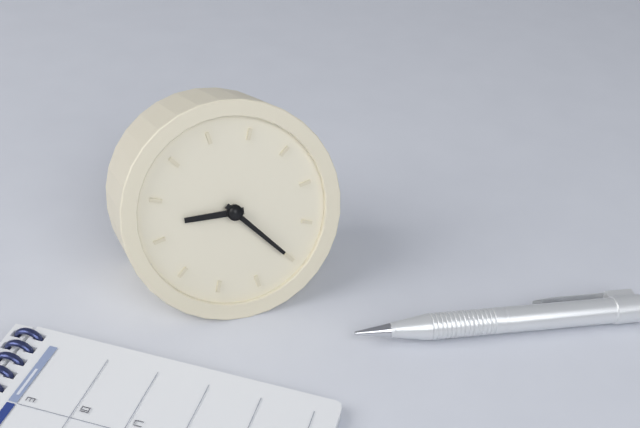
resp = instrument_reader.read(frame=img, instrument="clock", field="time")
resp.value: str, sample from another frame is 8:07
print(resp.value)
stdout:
9:25
